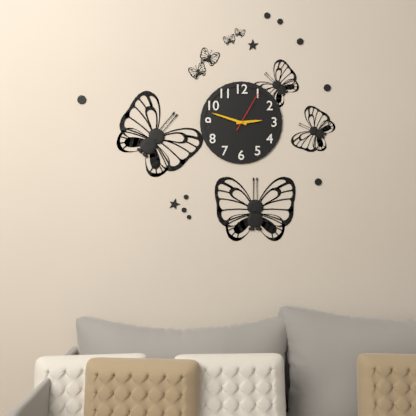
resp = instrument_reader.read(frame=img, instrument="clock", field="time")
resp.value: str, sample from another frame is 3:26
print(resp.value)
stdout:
2:48
